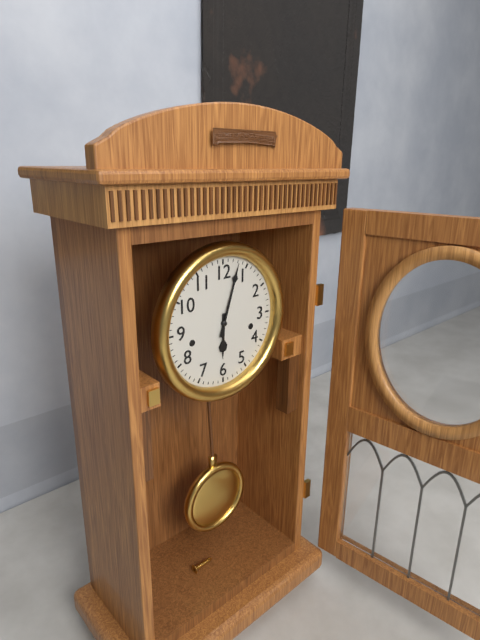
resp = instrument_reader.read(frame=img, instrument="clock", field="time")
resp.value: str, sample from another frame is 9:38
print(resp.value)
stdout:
6:03
